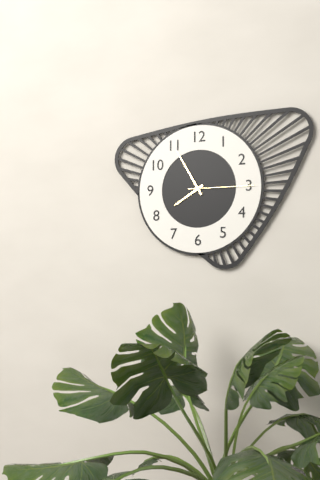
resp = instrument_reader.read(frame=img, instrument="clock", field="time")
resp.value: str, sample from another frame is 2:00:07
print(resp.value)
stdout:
7:55:15
